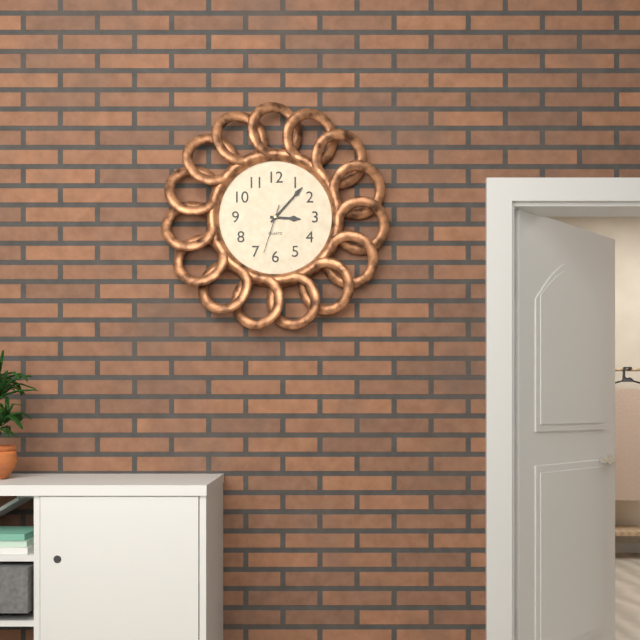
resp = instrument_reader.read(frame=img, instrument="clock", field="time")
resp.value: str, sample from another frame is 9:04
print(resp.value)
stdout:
3:07
